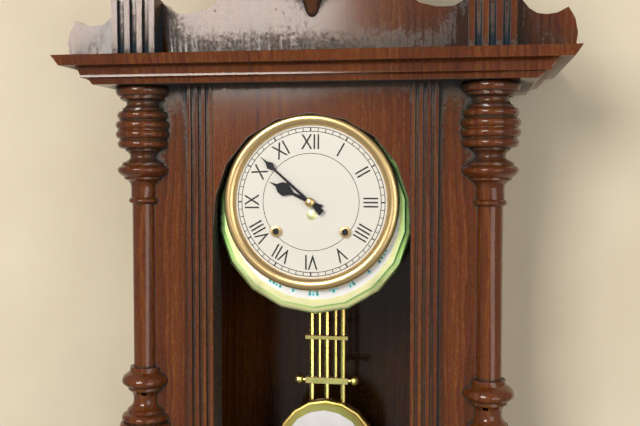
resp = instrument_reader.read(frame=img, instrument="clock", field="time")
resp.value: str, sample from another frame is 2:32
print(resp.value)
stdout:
9:52
